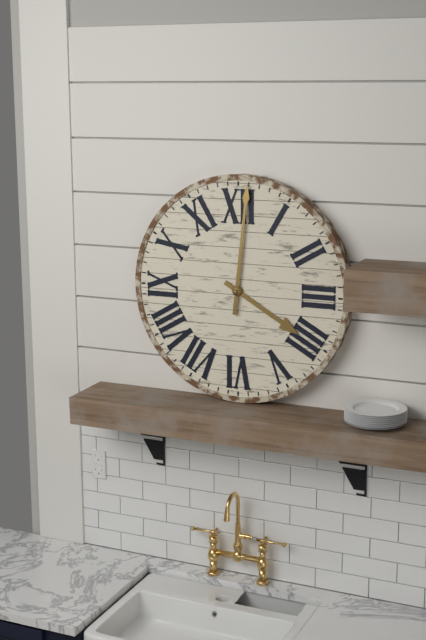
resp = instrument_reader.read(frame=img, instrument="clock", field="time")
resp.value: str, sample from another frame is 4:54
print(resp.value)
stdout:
4:01
